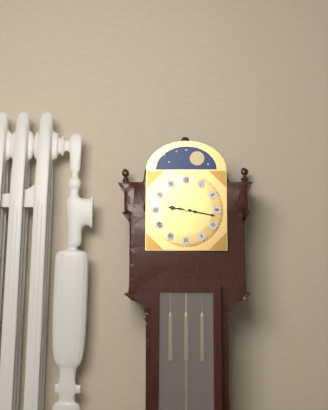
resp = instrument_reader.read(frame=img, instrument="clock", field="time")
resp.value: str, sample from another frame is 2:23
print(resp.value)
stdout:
9:17
